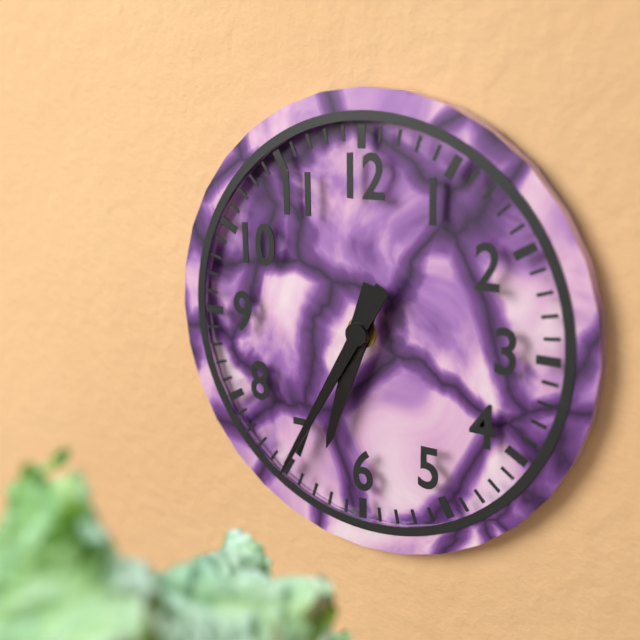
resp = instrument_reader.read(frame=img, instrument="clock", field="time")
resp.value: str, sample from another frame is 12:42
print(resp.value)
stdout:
6:35
